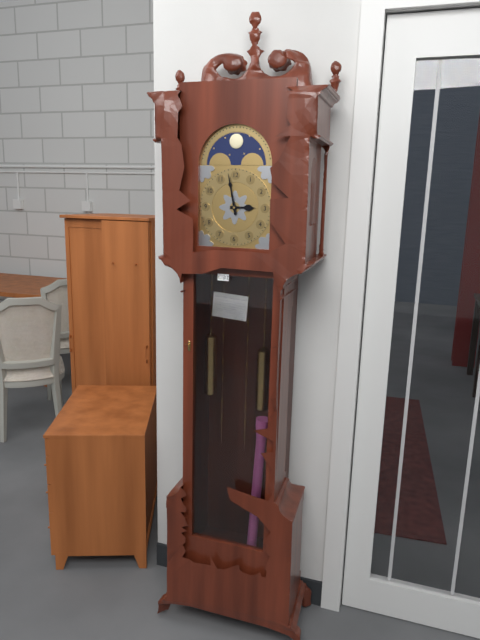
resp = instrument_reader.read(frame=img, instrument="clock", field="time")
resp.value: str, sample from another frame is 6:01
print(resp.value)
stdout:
2:58
